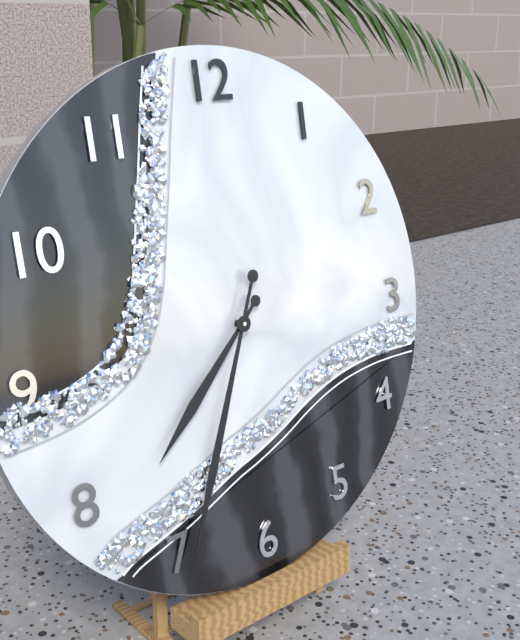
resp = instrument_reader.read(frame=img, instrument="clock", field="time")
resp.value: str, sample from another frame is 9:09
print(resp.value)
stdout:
7:34
